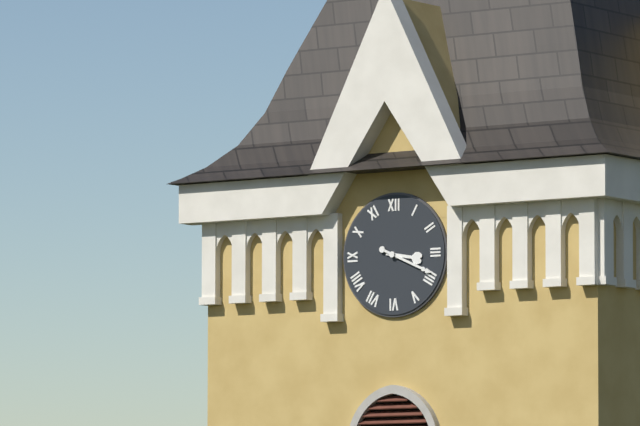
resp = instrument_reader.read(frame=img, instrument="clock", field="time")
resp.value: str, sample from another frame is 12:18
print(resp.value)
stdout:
3:19
